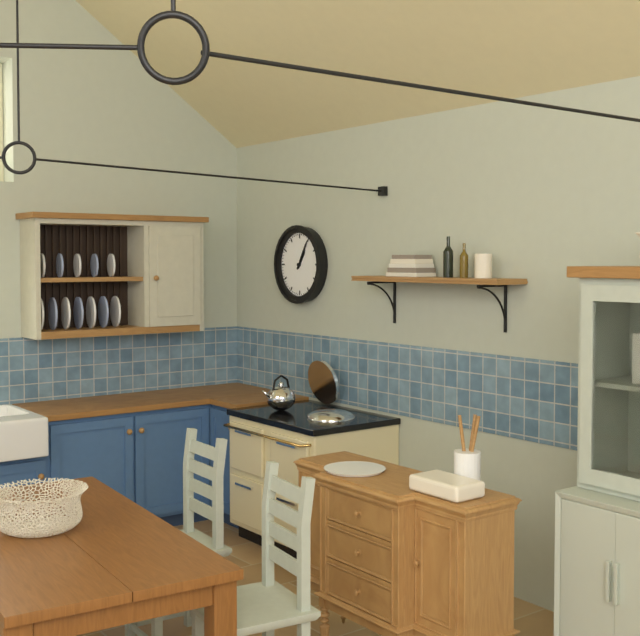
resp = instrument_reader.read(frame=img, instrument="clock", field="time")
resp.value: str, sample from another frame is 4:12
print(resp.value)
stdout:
1:05
